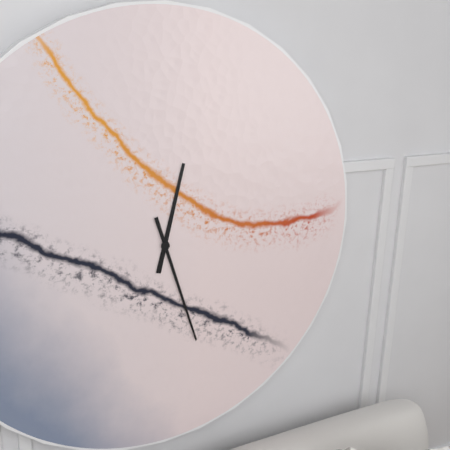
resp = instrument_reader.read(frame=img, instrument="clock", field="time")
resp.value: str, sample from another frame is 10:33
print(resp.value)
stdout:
12:27
